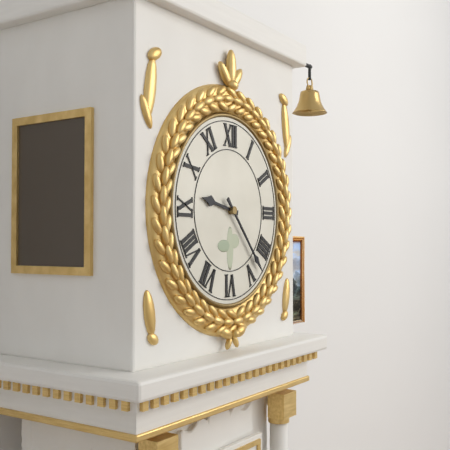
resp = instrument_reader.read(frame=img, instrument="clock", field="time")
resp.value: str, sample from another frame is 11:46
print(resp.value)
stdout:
9:23
